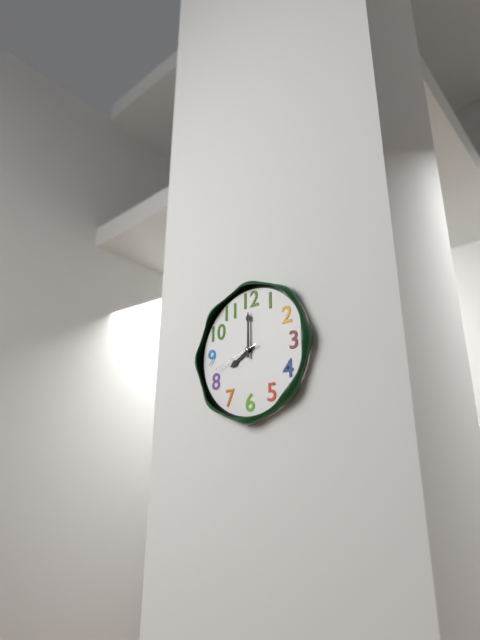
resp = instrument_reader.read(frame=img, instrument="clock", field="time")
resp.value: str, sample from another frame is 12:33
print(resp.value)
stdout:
8:00
